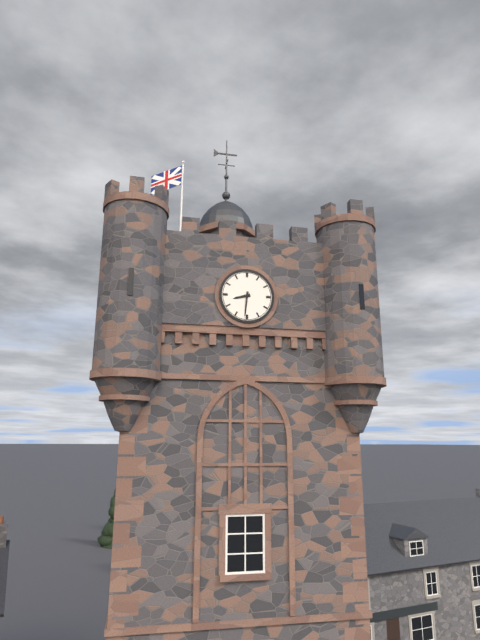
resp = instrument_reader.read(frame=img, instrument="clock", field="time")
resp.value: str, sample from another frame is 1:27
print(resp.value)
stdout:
8:31
